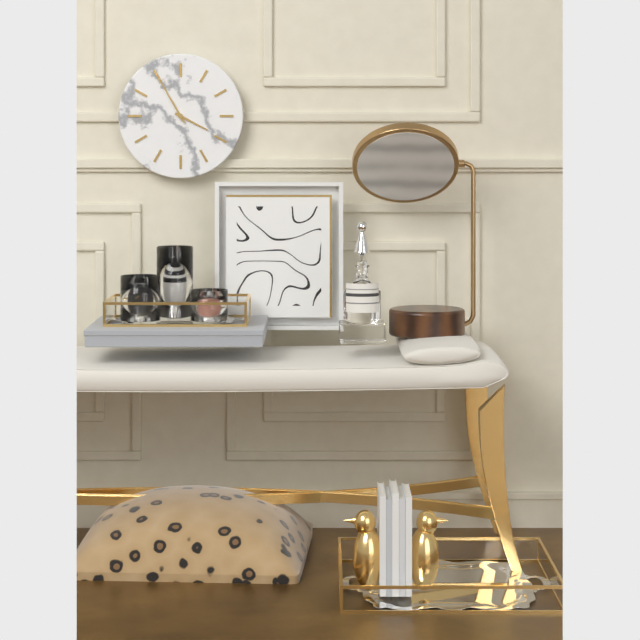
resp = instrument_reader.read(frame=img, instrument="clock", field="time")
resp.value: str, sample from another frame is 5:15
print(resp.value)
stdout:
3:55
